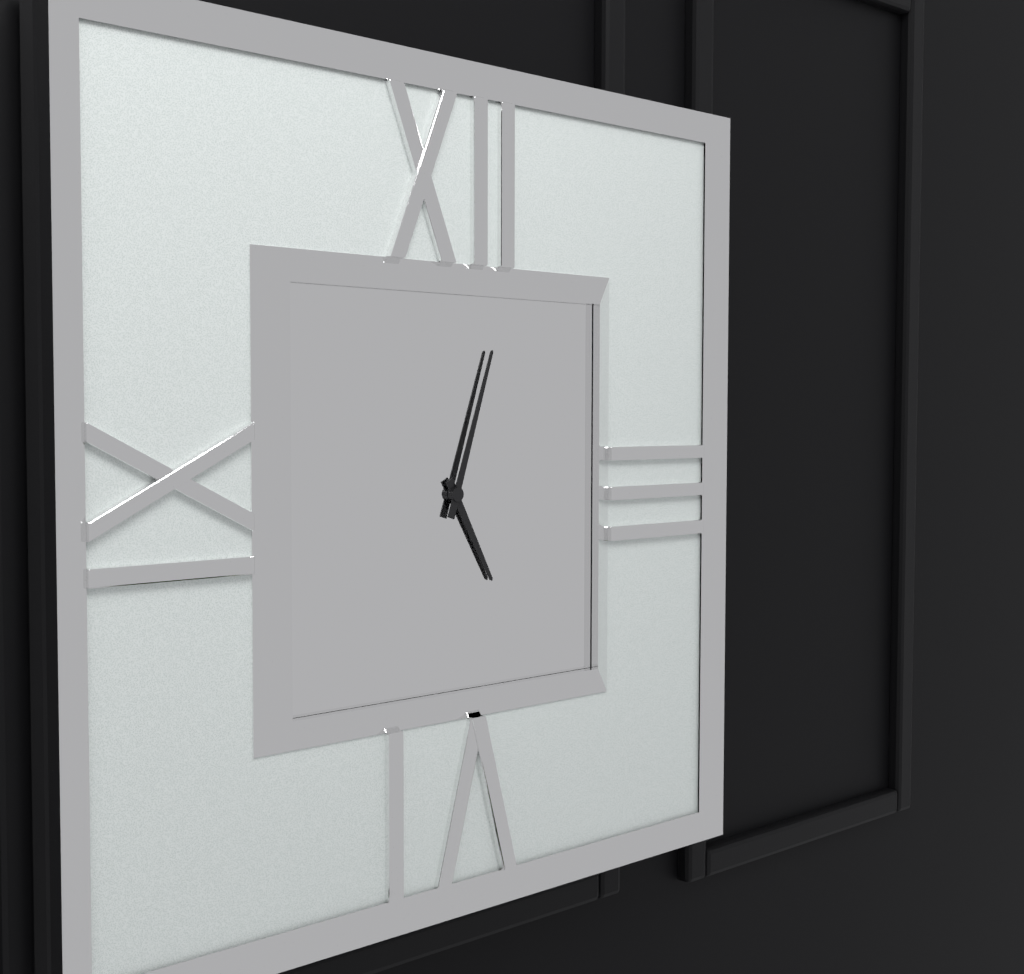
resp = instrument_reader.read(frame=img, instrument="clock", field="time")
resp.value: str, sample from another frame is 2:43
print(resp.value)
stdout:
5:03
